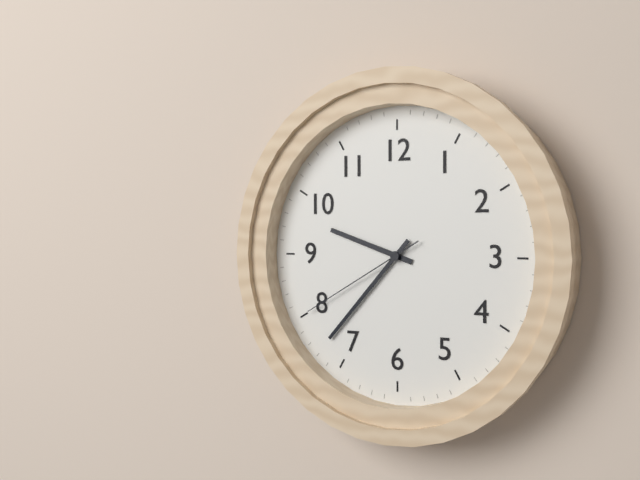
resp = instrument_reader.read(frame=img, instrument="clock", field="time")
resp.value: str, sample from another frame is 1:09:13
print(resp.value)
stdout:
9:37:40
